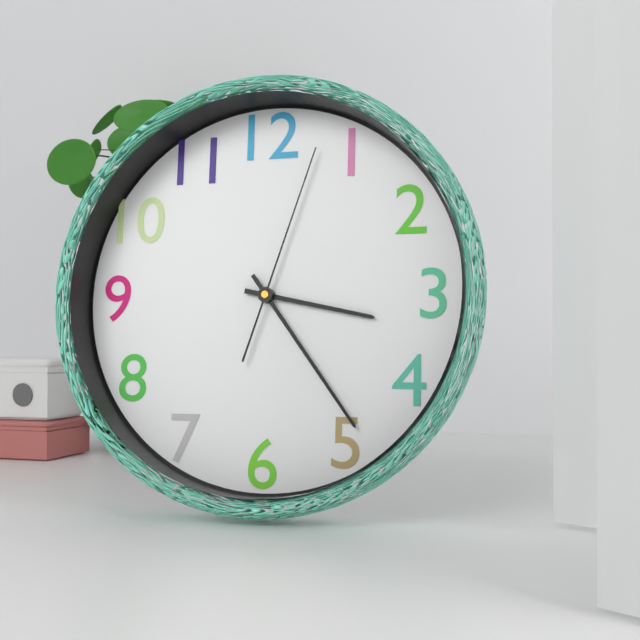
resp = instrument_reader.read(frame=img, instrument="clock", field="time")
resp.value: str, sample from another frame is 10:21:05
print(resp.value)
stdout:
3:24:03
